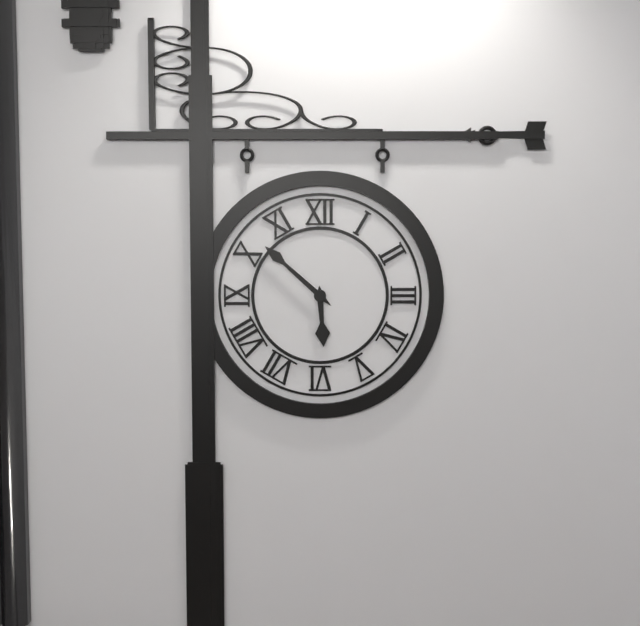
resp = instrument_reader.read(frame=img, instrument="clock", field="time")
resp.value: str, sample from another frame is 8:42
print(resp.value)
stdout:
5:52
